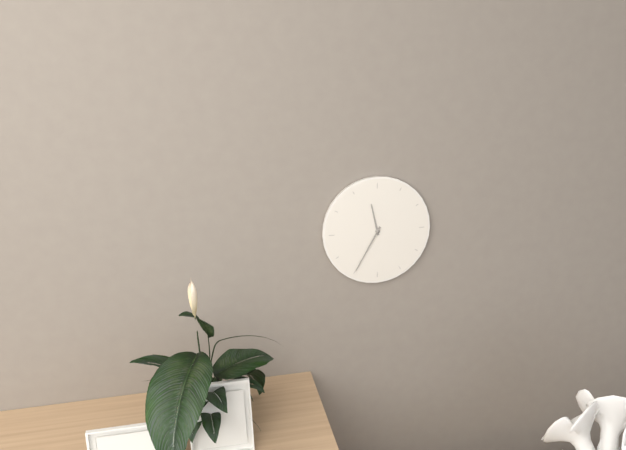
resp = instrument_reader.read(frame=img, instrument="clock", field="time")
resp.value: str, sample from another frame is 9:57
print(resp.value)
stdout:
11:35
